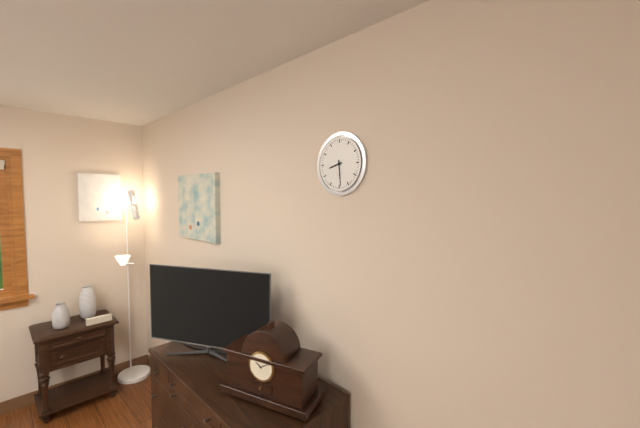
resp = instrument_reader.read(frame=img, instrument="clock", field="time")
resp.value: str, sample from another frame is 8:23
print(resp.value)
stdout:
8:29
